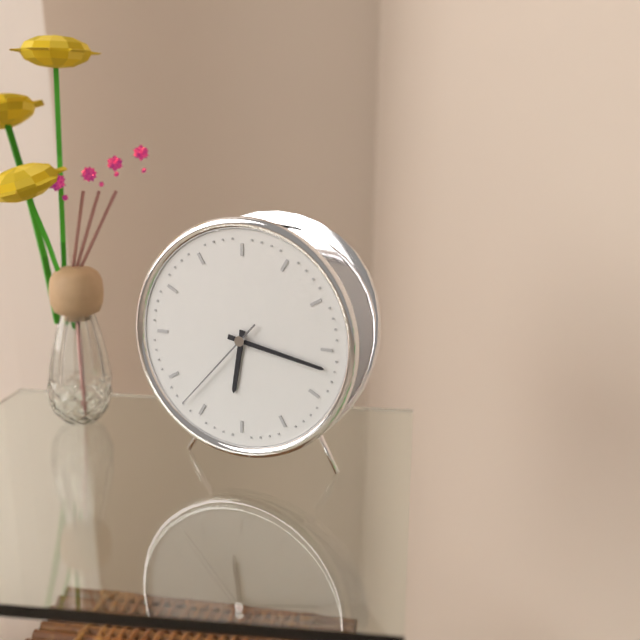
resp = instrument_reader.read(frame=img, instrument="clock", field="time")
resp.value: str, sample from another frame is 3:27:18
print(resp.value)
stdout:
6:17:37
